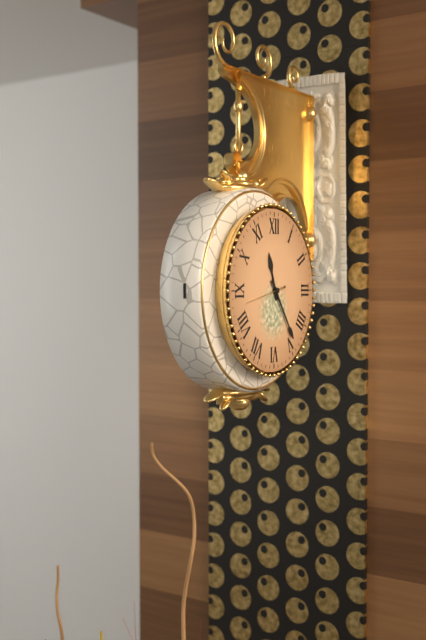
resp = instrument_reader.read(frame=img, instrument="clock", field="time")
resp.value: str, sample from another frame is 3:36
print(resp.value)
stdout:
11:24
